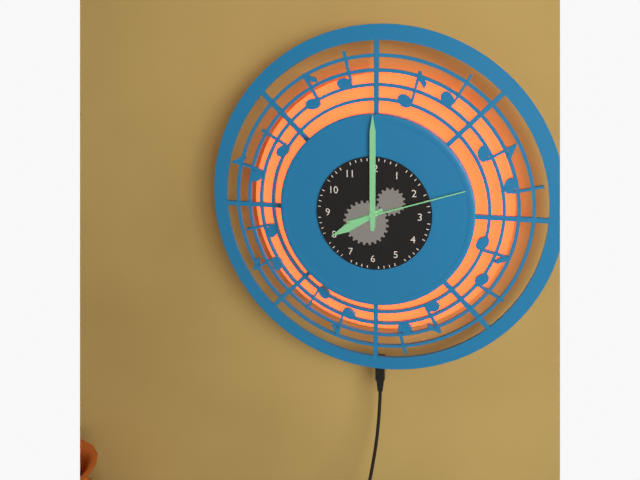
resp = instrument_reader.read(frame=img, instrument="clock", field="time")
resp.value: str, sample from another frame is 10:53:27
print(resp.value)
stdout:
8:00:12
